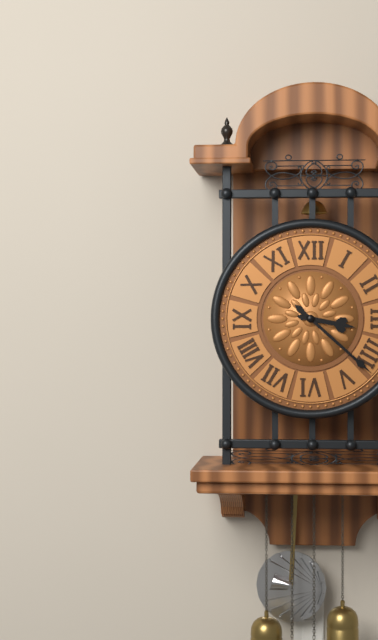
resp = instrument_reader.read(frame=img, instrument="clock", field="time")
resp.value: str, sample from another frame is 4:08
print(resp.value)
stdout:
3:22
